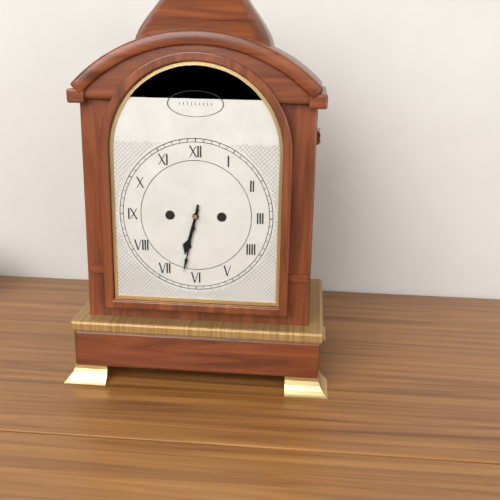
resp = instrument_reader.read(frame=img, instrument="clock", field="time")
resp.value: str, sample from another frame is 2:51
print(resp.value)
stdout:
6:32
